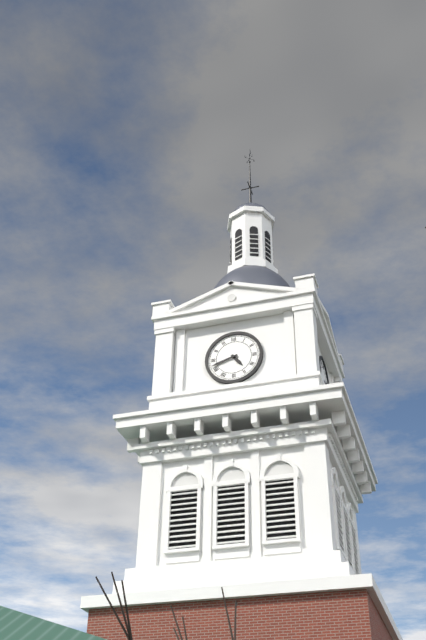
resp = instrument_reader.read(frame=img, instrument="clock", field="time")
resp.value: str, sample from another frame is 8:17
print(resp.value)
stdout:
4:42
